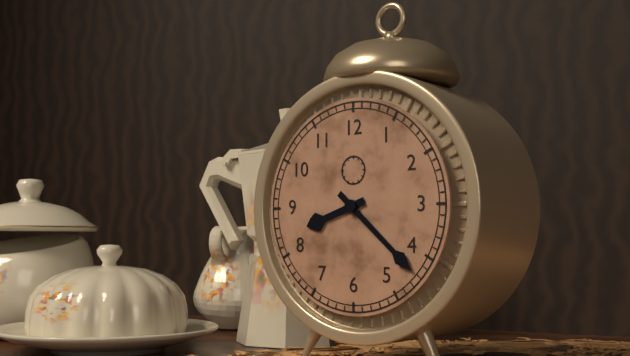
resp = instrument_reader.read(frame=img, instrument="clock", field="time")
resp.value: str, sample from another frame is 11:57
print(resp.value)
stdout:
8:22
